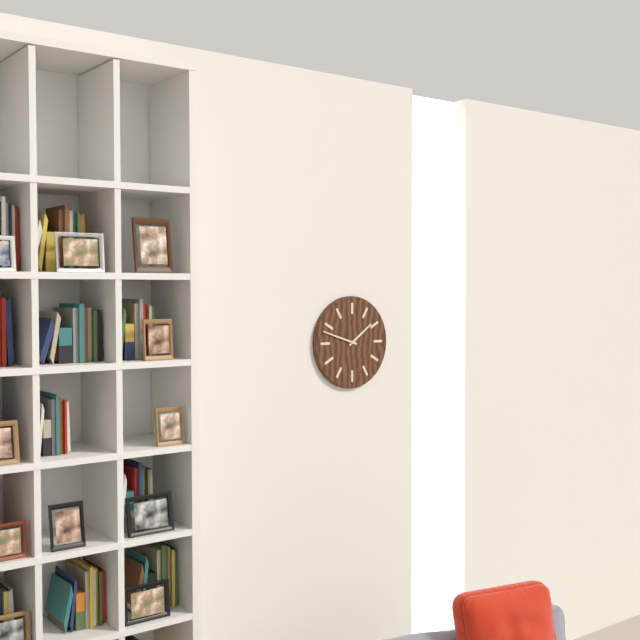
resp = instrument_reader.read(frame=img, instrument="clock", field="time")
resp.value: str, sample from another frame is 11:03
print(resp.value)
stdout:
1:48
